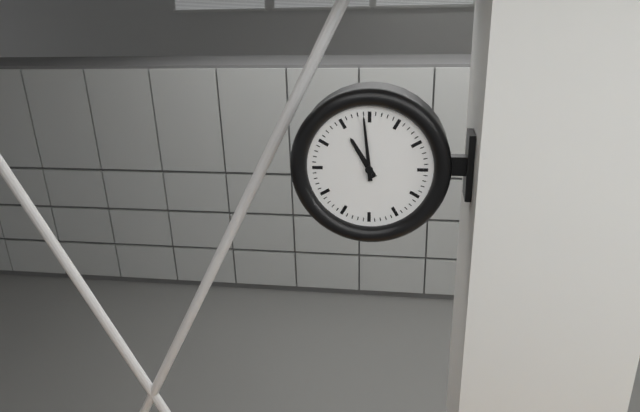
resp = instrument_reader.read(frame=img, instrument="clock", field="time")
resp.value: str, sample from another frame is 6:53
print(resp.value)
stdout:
10:59
